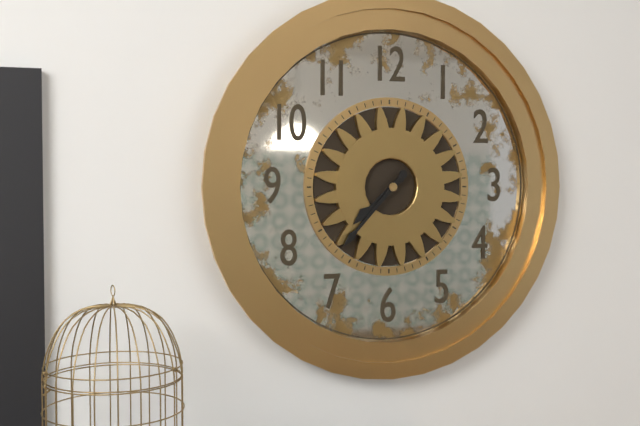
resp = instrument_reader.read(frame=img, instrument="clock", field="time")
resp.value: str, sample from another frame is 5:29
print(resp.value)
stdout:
7:37
